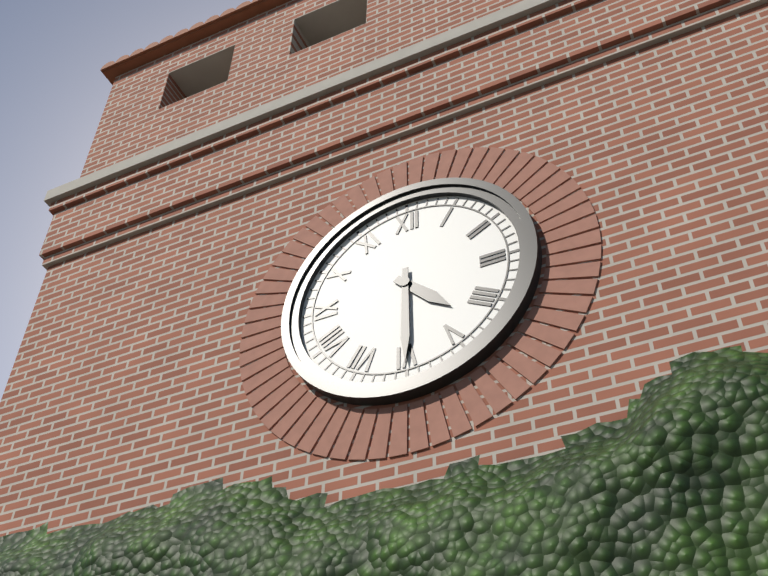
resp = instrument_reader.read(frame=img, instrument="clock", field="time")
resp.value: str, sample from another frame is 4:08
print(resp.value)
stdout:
4:30
